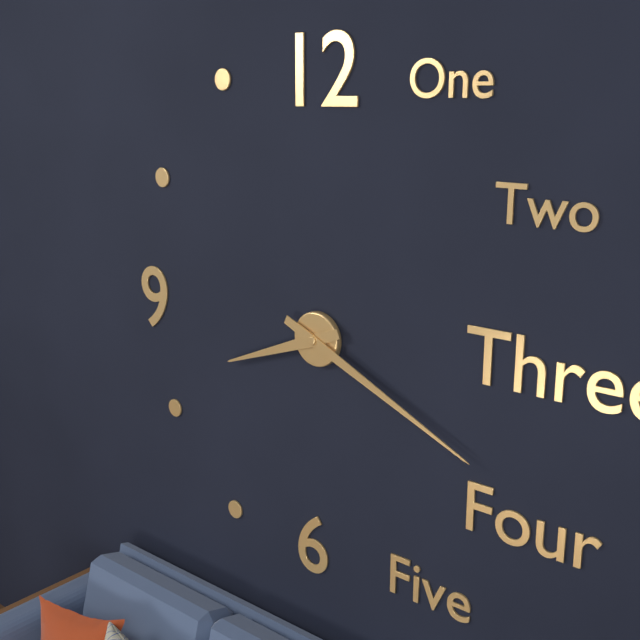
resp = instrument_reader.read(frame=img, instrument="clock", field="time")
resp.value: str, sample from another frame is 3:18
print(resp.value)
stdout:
8:19
